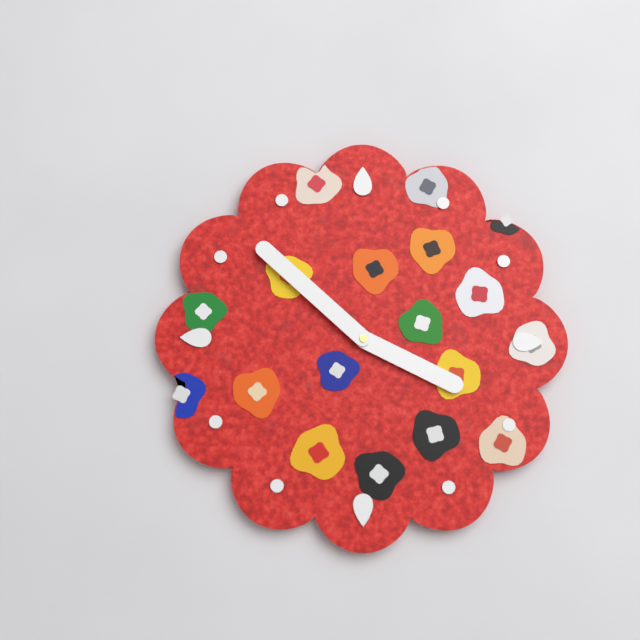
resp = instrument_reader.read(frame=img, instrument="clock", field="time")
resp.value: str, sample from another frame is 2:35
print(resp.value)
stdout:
3:52
